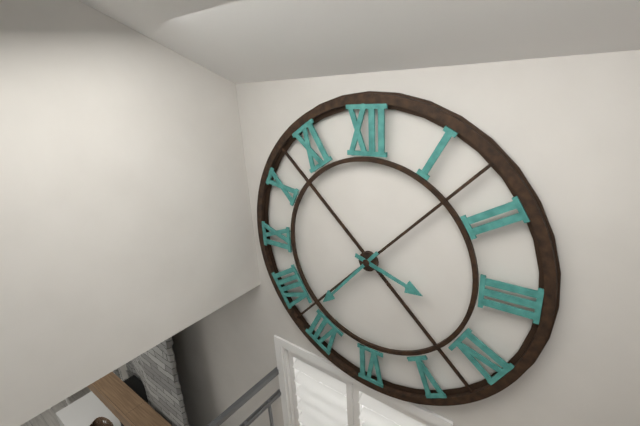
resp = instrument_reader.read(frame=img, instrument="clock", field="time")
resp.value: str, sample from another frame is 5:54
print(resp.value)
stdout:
3:37
